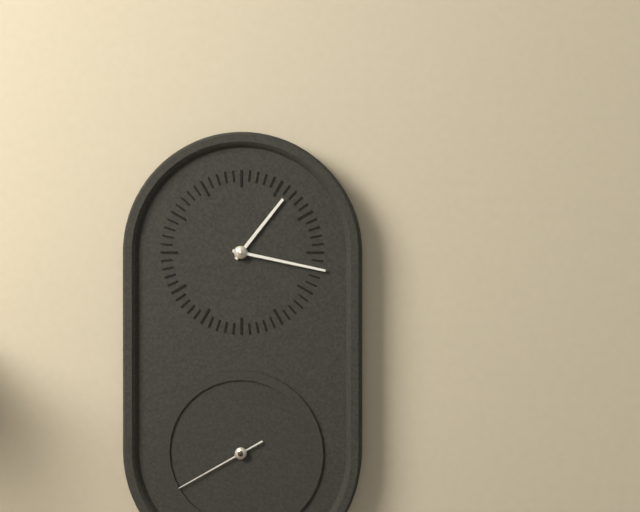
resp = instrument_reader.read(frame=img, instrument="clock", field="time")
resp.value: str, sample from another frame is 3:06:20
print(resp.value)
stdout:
1:17:40
